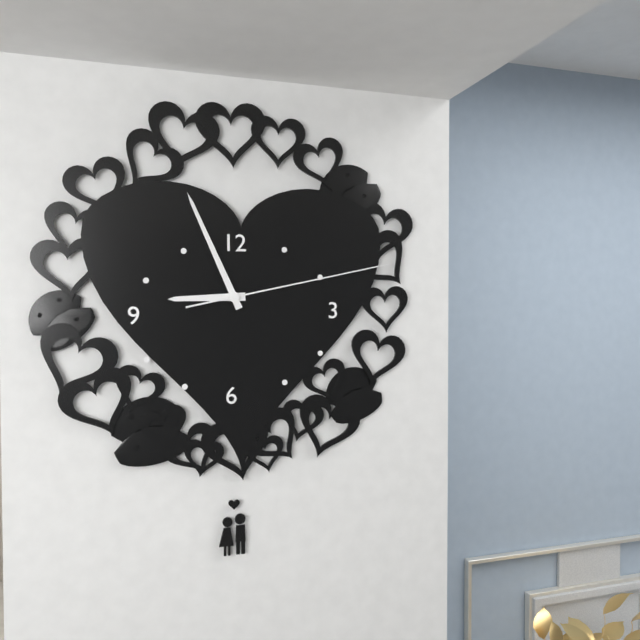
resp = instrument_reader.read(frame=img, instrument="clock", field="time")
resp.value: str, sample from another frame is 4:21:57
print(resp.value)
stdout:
8:56:13
